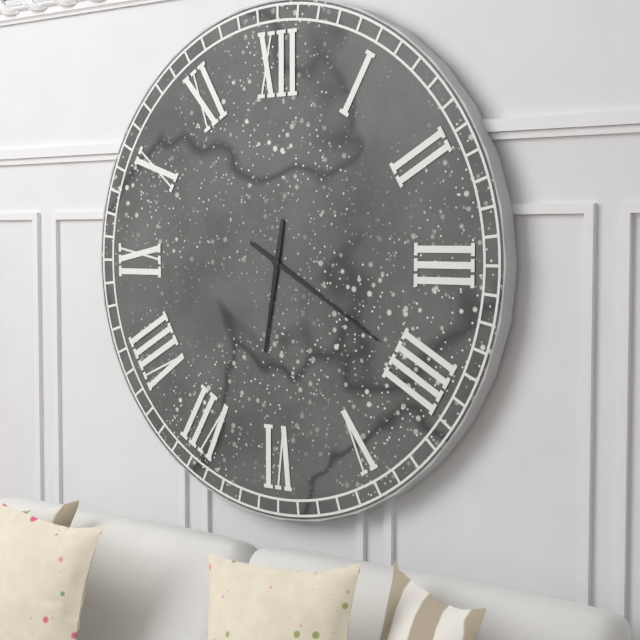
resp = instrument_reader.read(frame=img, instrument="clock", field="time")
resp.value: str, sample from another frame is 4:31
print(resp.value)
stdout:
6:20
